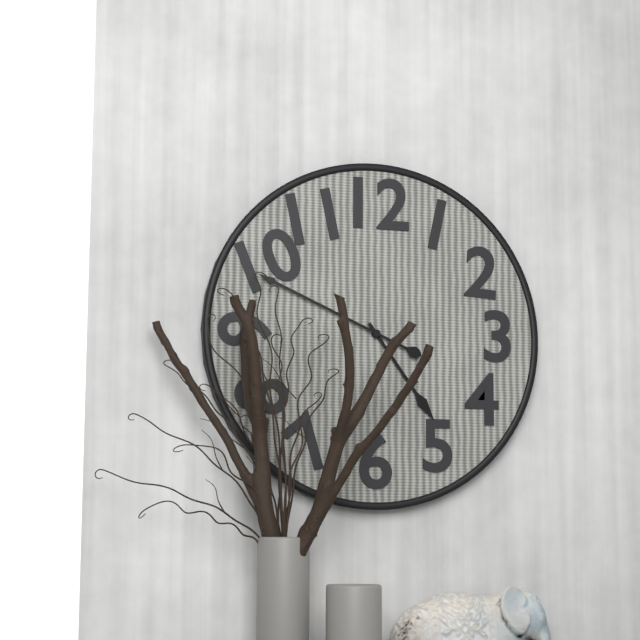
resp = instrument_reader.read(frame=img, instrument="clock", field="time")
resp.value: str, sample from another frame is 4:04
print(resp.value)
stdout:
4:49
